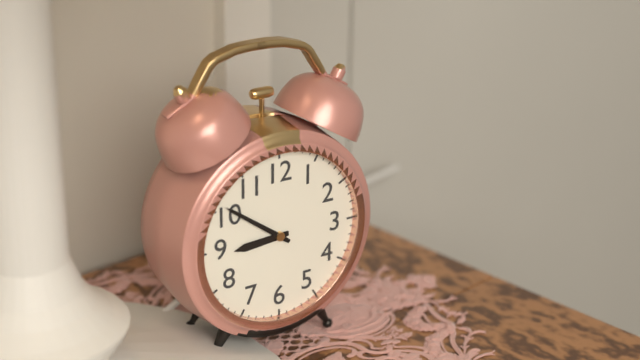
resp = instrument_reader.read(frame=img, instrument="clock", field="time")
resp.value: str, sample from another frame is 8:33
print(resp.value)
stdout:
8:51
